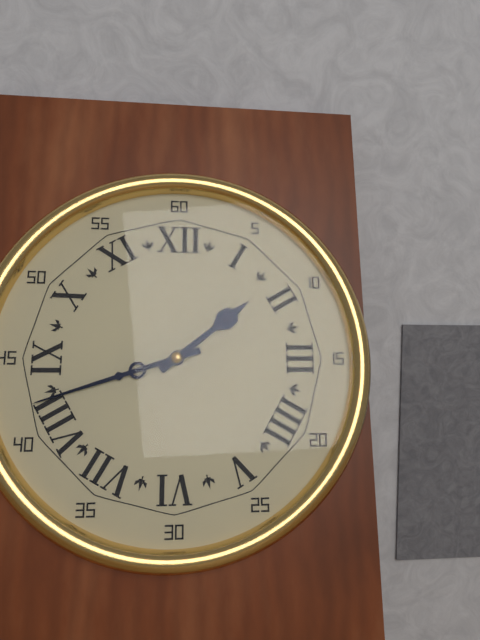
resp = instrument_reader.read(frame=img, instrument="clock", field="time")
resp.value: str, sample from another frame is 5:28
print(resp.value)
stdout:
1:42
